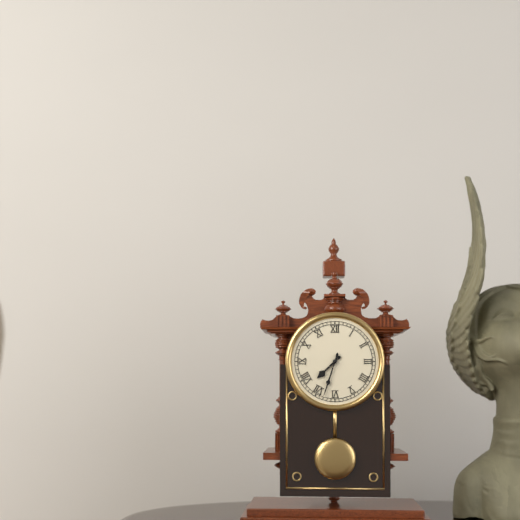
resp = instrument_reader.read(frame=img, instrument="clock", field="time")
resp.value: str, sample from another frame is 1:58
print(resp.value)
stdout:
7:33
